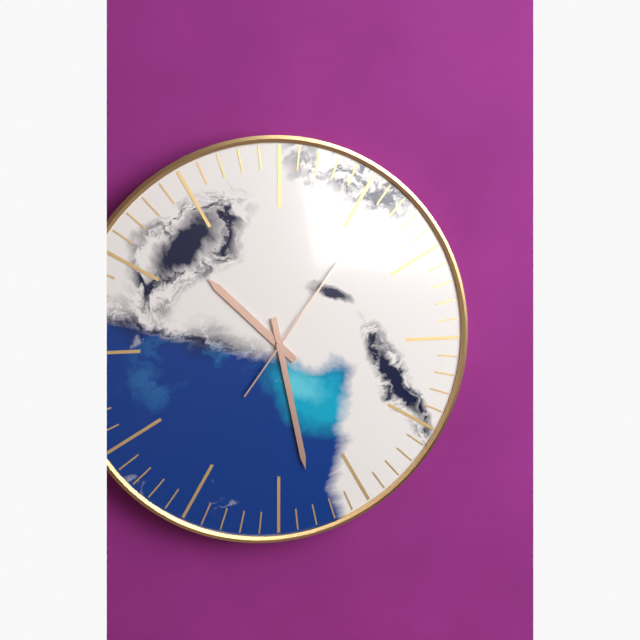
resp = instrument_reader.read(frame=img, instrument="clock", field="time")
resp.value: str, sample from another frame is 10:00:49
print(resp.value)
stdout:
10:28:06
